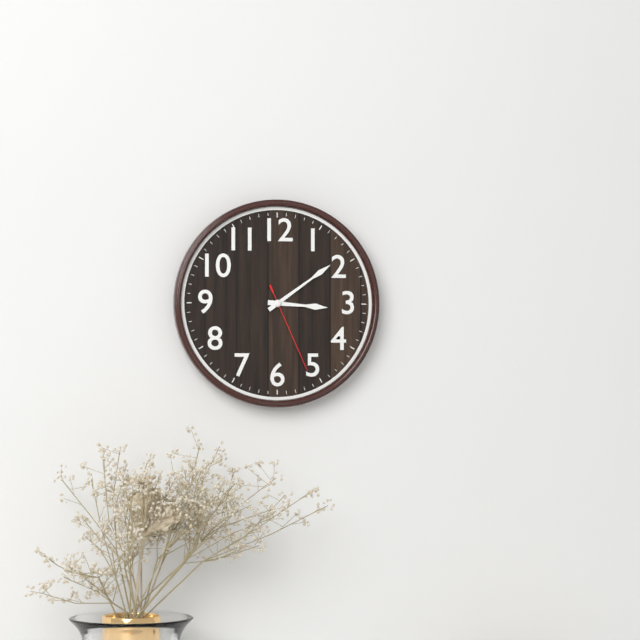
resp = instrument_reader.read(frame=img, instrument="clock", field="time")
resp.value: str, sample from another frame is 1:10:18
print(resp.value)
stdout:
3:09:26
